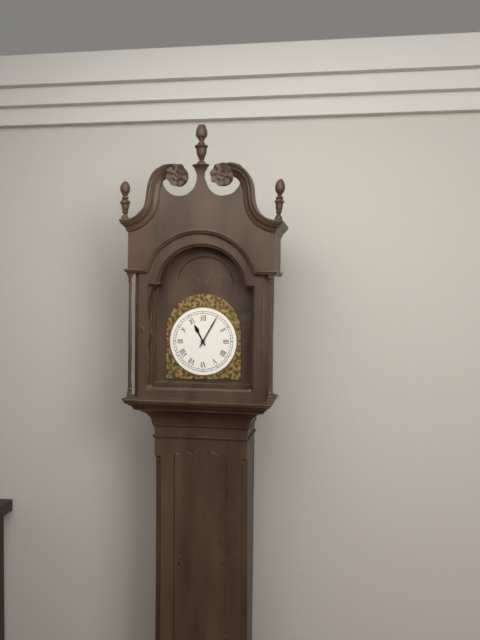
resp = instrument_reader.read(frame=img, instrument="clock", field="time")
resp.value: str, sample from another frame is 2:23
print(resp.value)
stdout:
11:05
